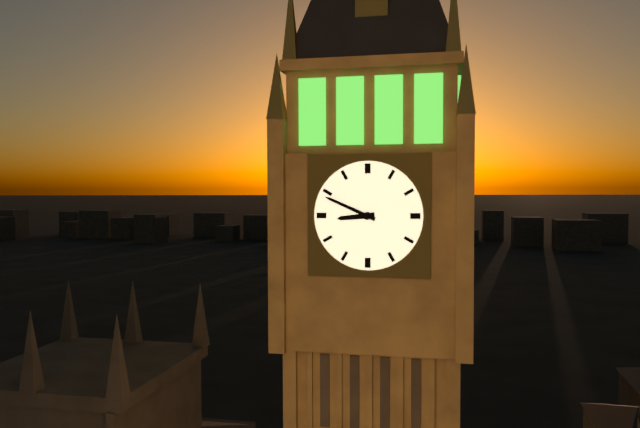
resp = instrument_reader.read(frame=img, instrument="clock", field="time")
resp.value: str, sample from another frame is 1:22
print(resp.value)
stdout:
8:49
